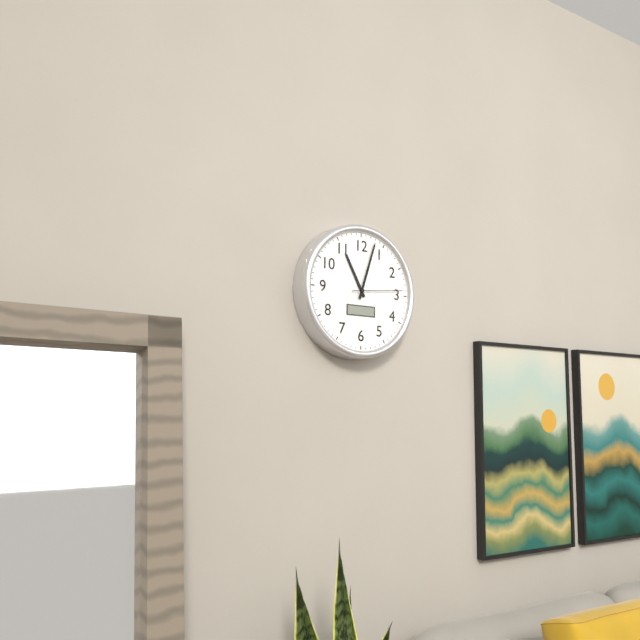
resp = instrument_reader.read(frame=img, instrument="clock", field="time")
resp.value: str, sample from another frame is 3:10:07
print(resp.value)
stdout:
11:03:14
